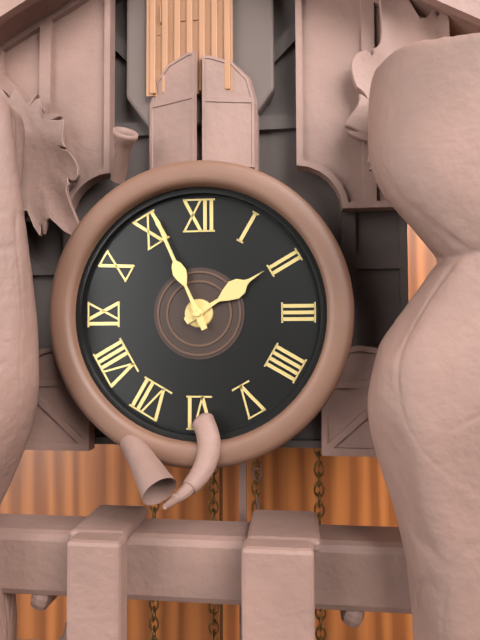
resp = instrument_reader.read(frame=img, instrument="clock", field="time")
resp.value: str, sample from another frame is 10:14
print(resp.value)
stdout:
1:56
